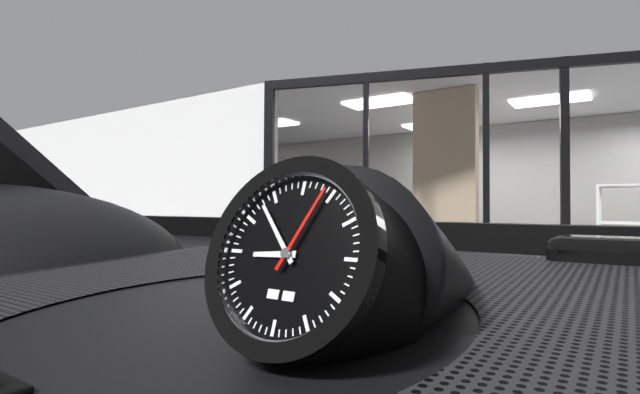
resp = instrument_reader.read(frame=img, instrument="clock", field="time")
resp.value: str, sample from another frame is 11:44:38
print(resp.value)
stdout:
8:53:04
